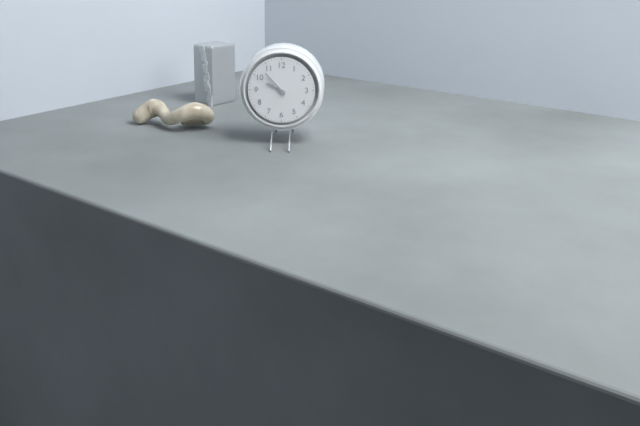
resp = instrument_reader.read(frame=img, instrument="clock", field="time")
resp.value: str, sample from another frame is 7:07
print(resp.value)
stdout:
9:53
